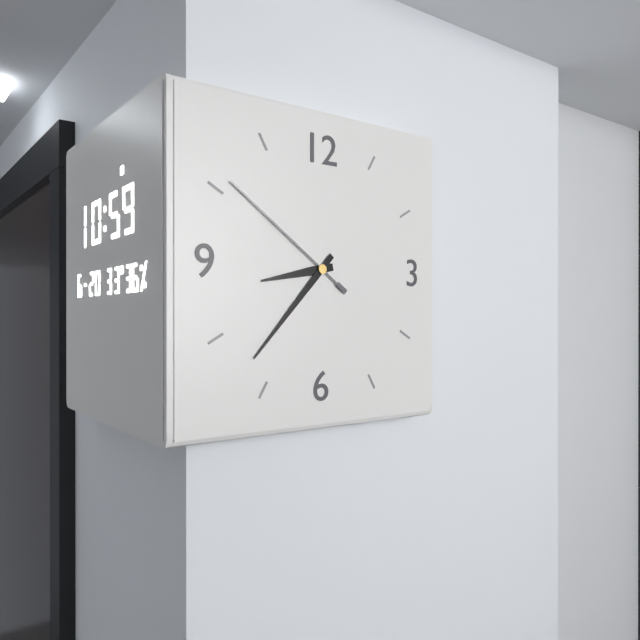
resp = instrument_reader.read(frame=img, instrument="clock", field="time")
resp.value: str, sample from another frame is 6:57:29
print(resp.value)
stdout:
8:37:51
